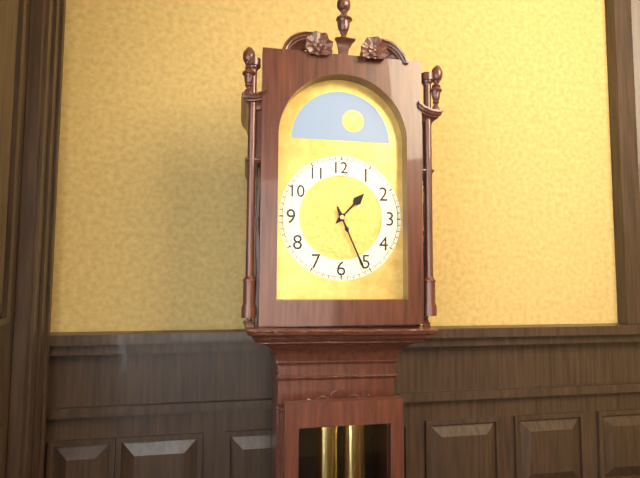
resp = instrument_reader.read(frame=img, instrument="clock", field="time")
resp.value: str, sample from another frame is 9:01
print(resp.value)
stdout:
1:26
